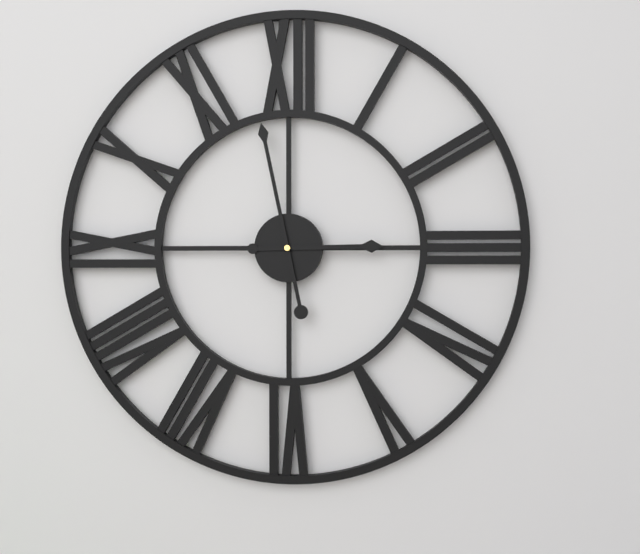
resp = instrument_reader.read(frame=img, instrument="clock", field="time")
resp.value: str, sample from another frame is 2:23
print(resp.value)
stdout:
2:58
